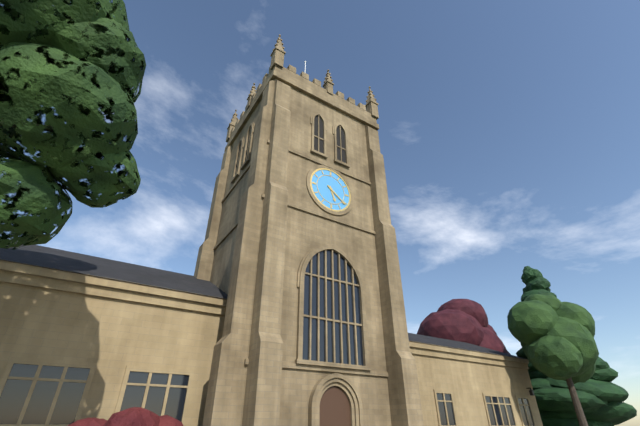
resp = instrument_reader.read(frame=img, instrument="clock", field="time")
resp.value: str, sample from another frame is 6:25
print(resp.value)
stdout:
5:21
